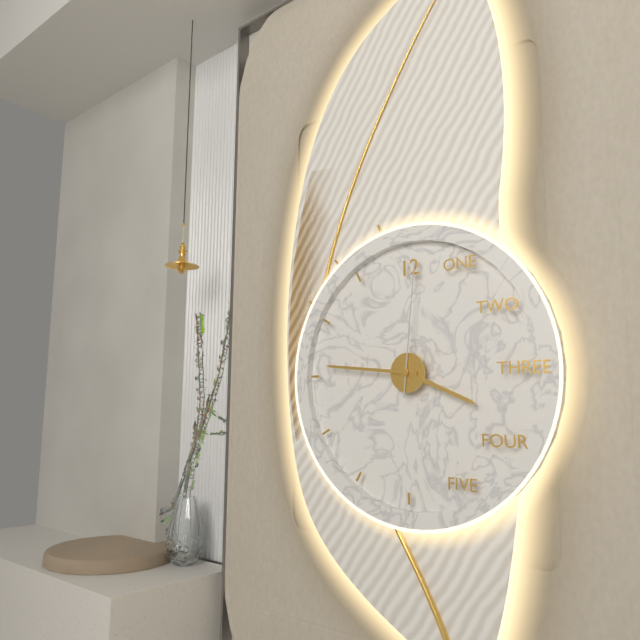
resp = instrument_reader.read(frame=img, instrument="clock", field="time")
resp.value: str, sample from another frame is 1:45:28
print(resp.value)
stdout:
3:46:01
